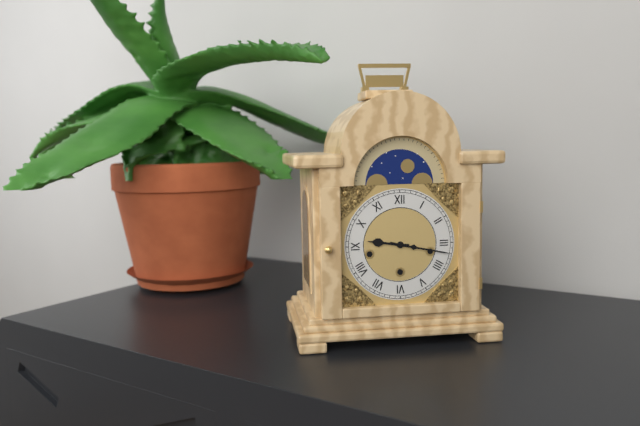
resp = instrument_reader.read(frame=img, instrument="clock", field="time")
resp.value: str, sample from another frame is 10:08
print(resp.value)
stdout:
9:17
